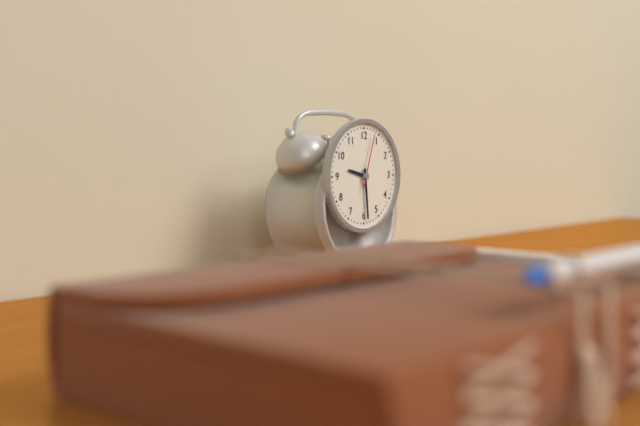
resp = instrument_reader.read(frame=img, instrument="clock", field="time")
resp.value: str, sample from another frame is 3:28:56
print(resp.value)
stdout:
9:29:03
